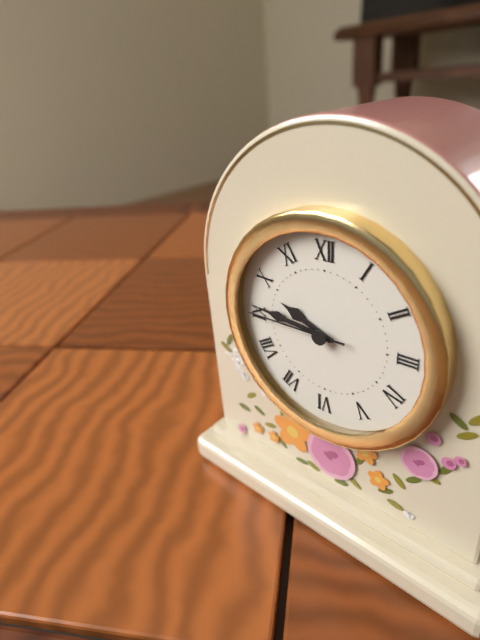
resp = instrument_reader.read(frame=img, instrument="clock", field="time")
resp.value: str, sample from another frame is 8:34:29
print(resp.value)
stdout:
9:46:45
